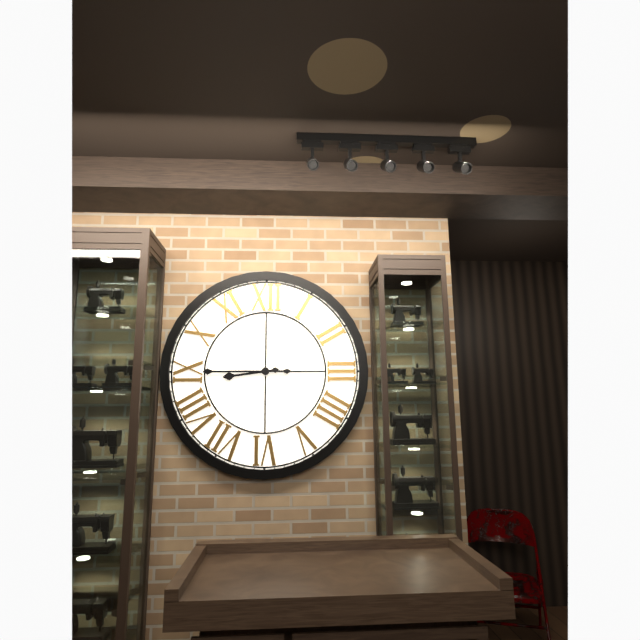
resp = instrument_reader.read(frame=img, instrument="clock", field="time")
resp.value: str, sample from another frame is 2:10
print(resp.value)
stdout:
8:45
